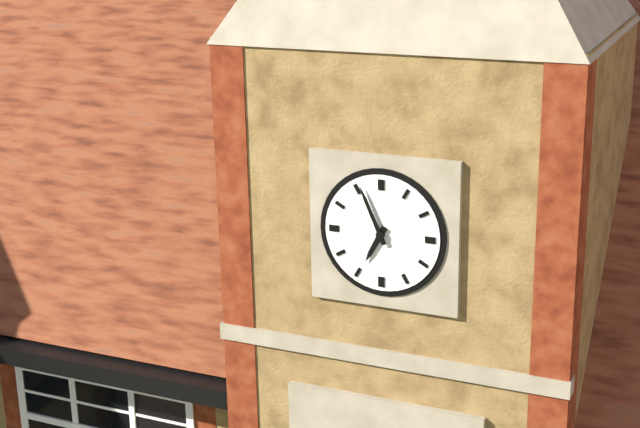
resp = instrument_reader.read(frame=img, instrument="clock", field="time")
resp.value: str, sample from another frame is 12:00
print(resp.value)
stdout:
6:56
